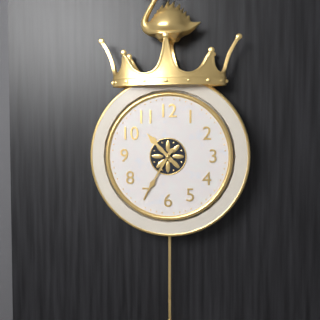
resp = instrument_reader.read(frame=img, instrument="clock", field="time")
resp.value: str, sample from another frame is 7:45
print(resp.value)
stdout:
10:35
